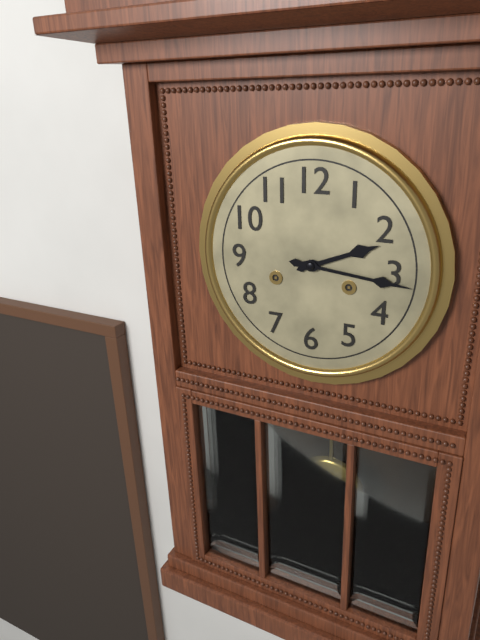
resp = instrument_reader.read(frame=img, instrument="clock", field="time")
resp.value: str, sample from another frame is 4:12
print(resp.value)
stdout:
2:16
